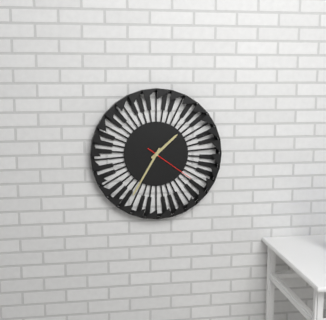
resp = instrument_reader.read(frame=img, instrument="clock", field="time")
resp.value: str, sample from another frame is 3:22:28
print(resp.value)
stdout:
1:35:21
